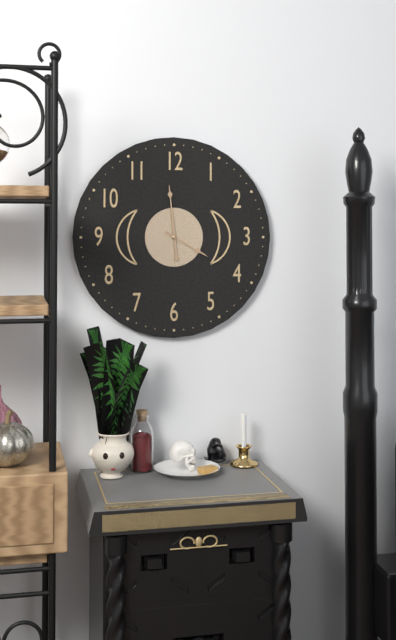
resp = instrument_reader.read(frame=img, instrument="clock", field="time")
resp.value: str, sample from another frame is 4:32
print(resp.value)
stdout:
3:59
